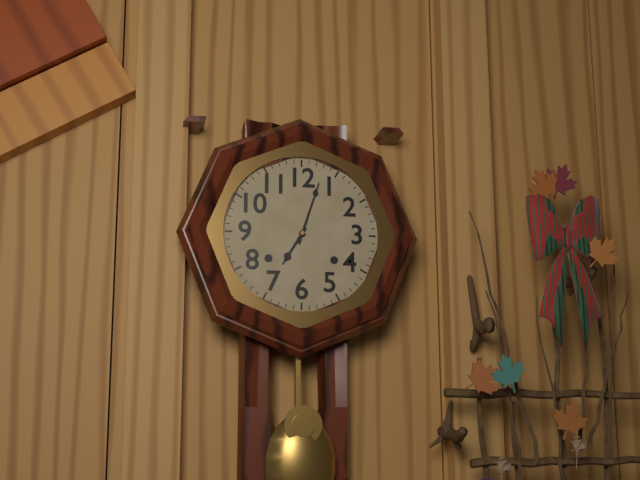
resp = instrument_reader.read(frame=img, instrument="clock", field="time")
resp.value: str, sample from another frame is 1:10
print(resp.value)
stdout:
7:03
